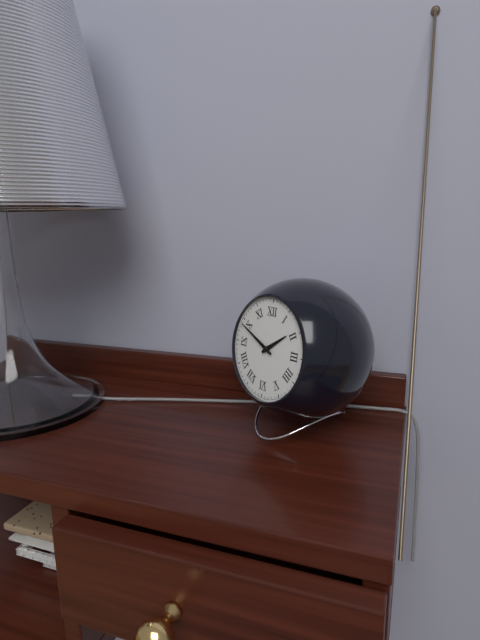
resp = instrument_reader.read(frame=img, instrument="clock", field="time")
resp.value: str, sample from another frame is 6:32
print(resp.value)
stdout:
1:49
